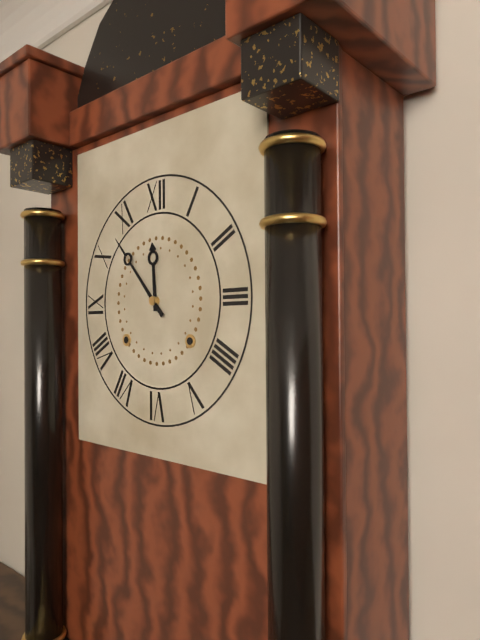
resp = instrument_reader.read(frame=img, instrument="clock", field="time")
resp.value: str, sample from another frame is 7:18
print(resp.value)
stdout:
11:53
